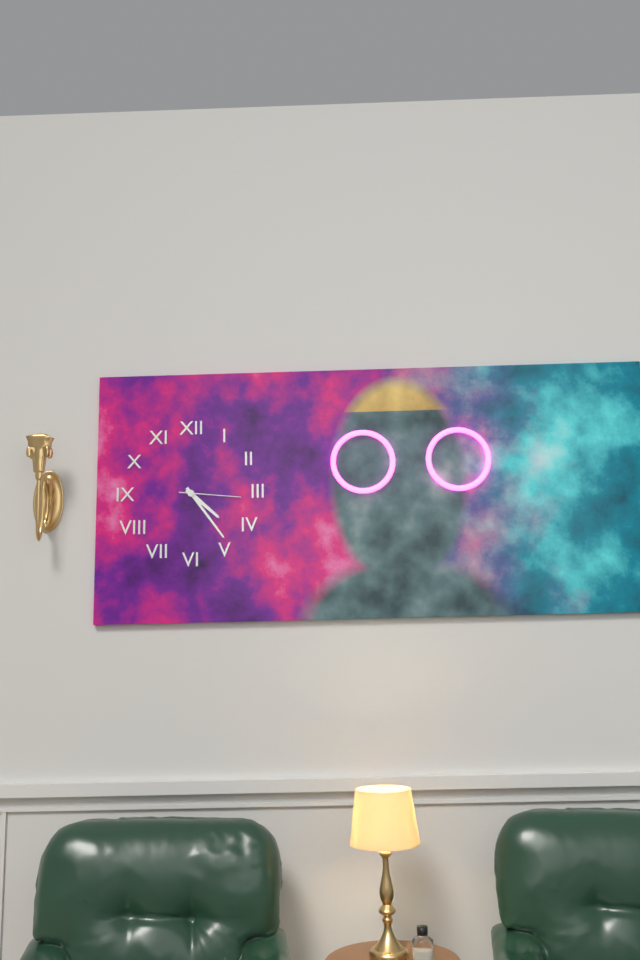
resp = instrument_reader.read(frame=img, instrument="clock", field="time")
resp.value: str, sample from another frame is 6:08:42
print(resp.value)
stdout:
4:24:16
